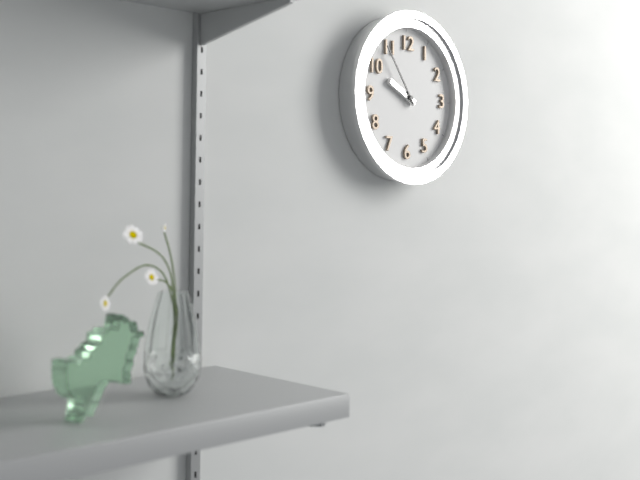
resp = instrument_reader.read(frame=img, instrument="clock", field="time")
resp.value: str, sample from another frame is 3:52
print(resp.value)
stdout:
9:54
